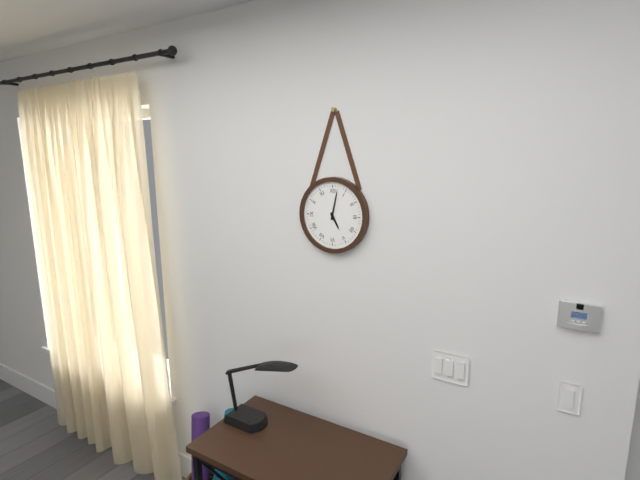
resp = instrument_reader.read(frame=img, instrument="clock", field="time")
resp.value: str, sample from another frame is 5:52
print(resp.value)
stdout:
5:02
